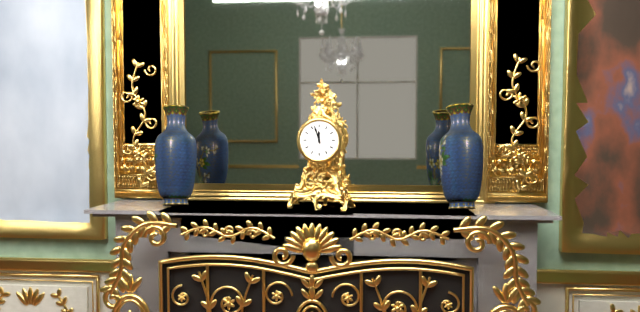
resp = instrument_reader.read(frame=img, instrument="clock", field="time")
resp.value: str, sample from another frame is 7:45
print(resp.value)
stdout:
11:57
